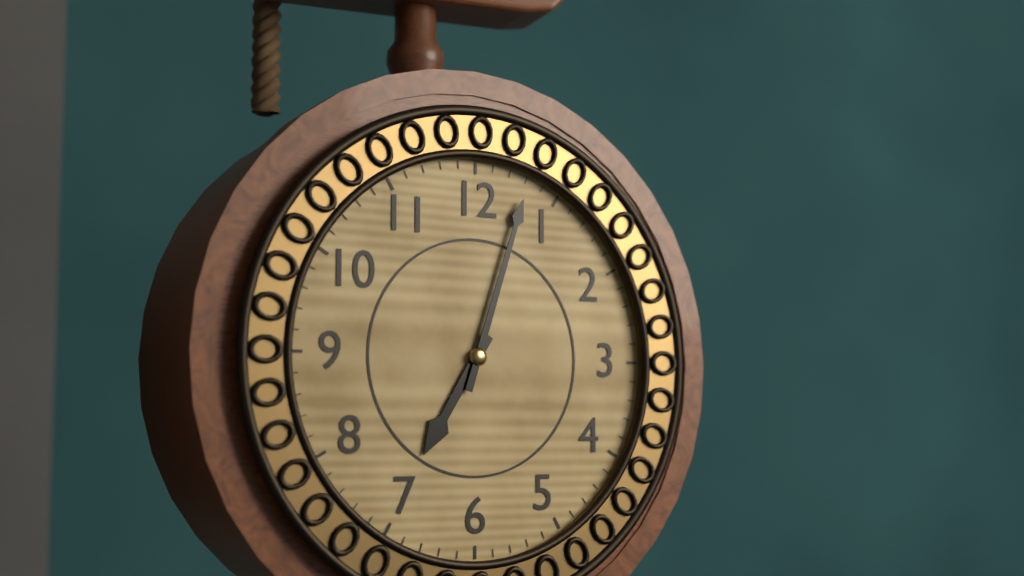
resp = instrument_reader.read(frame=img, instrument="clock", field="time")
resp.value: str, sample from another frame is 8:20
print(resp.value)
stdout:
7:03
